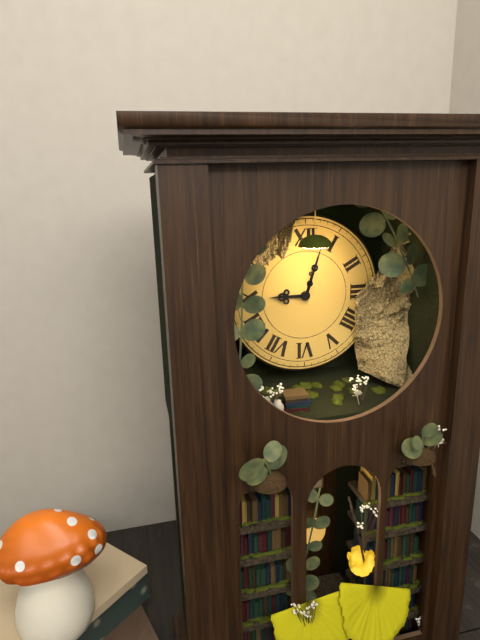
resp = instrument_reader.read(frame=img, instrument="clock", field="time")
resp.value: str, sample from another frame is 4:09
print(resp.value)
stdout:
9:03
